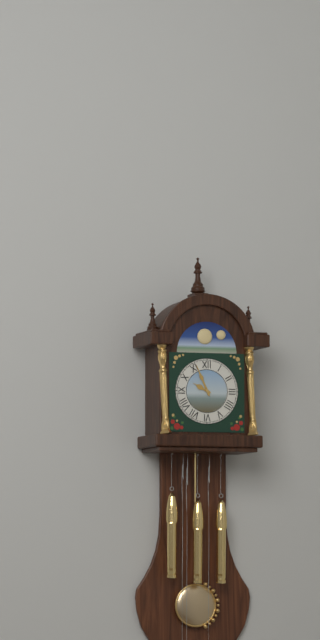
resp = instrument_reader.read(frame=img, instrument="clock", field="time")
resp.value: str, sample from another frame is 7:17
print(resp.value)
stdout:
9:56
